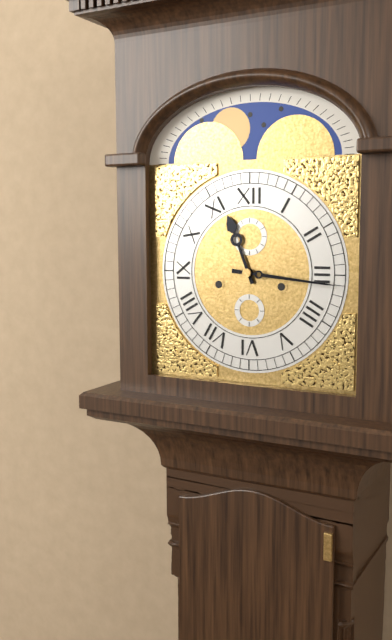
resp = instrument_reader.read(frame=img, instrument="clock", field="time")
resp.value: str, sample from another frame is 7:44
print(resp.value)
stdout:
11:16
